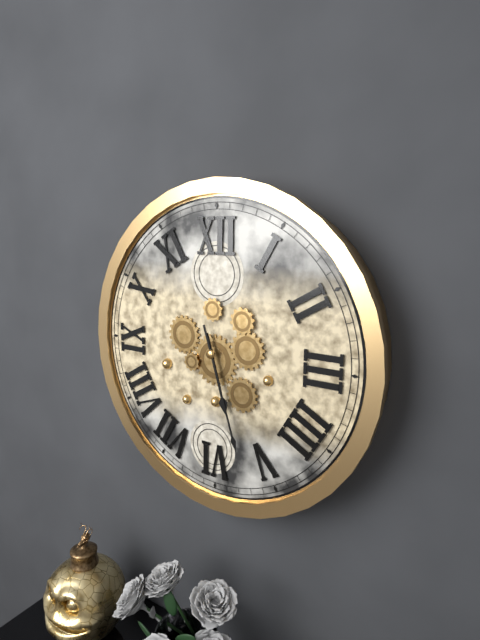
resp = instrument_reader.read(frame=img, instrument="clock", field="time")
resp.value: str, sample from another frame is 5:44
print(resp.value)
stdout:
5:27
